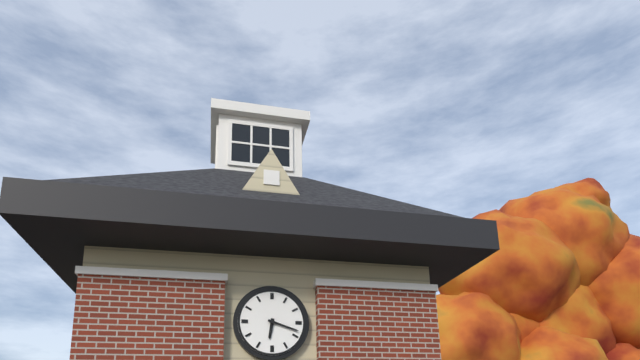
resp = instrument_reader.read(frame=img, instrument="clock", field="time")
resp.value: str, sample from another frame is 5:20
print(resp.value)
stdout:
6:18
